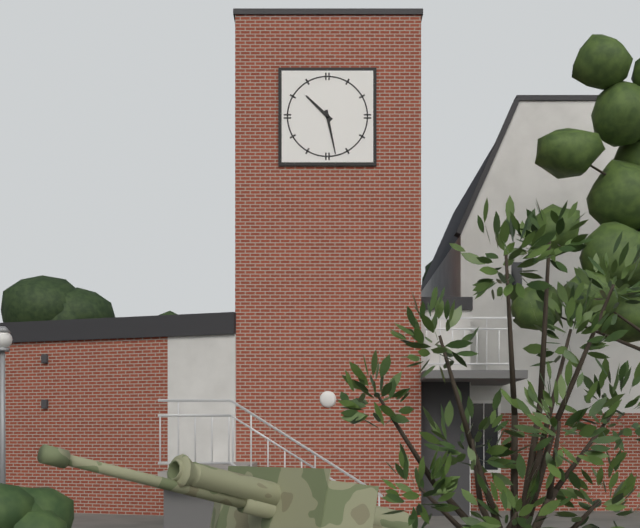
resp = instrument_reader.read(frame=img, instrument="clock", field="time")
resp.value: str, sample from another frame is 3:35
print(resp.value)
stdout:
10:28
